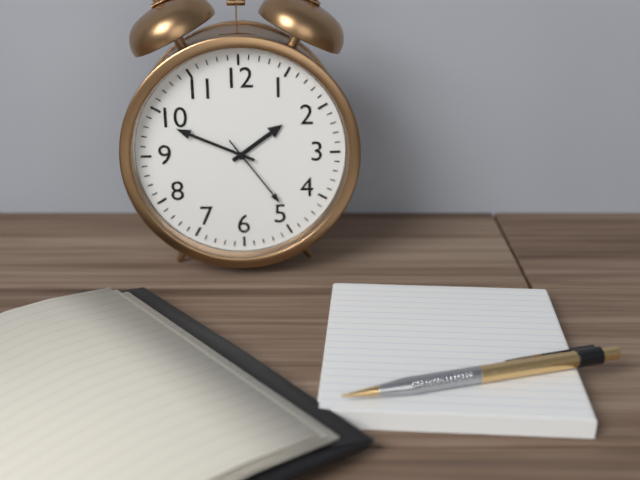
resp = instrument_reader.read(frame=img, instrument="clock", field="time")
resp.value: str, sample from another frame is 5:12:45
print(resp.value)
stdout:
1:49:24
